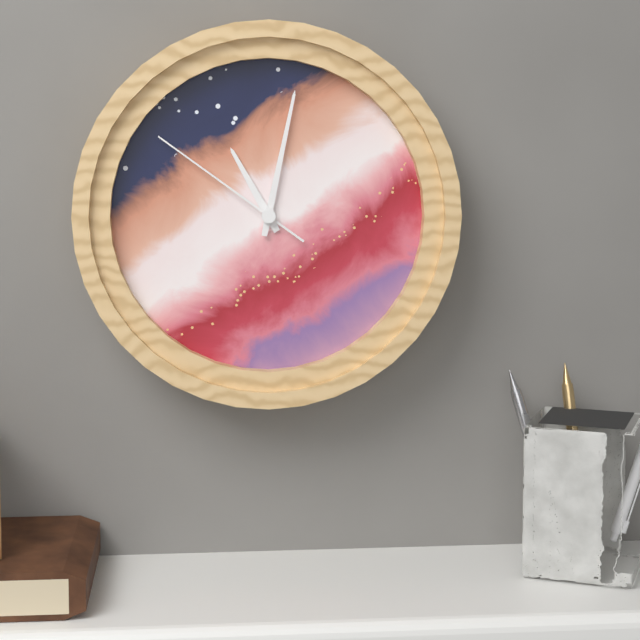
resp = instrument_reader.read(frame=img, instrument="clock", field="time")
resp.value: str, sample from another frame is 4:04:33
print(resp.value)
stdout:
11:02:51
